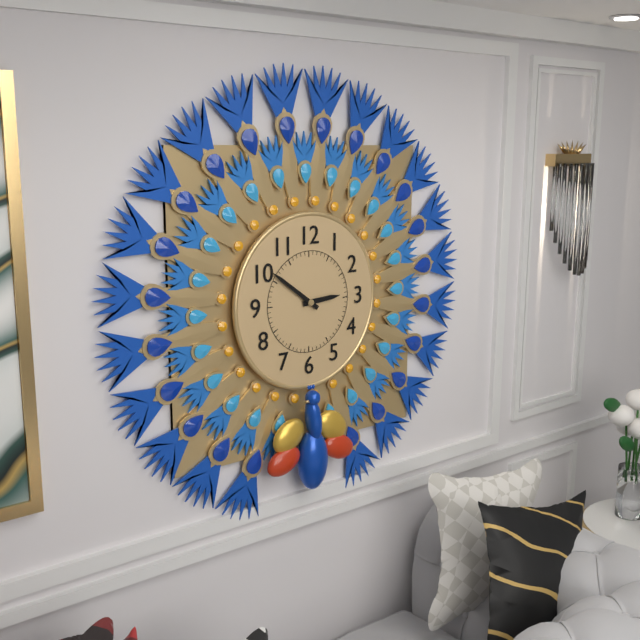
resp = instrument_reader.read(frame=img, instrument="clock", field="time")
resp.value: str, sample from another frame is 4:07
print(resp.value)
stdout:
2:51
